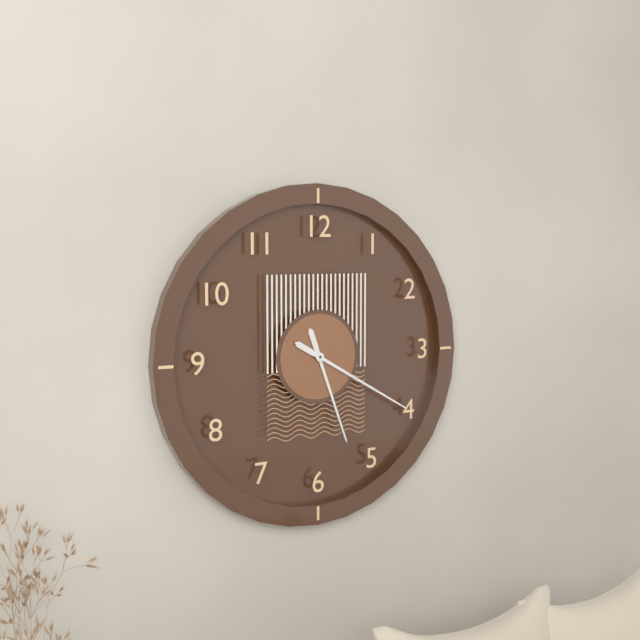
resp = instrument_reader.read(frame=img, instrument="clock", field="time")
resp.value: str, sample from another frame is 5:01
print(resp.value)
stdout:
5:20
